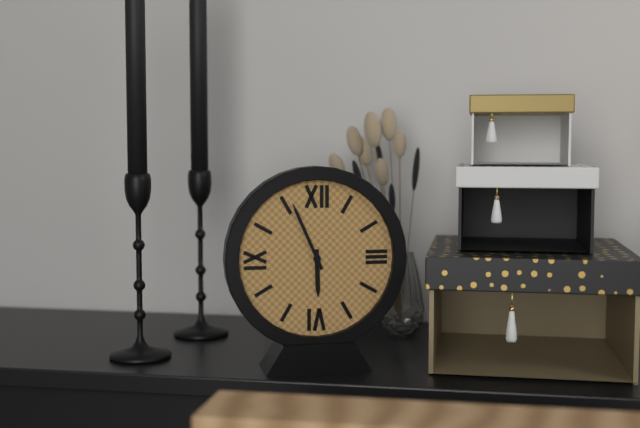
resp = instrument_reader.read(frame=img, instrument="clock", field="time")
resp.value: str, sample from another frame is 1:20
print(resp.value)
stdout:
5:56
